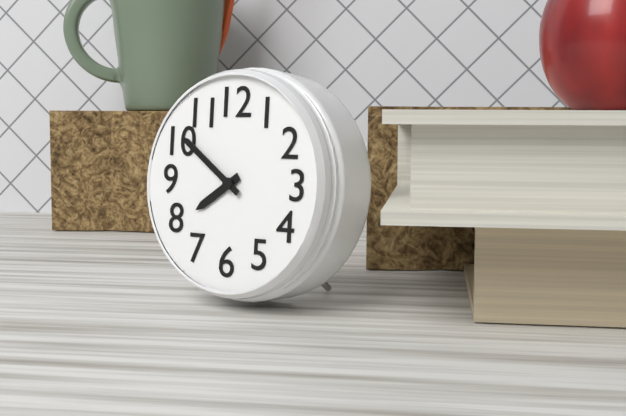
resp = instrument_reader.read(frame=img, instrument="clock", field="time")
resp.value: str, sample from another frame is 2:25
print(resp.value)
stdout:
7:51
